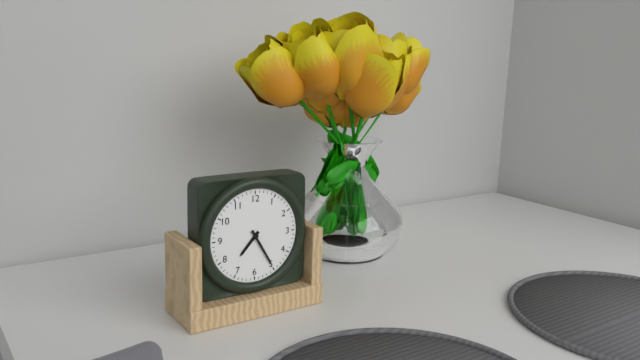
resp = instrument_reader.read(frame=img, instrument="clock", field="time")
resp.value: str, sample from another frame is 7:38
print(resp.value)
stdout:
7:25
